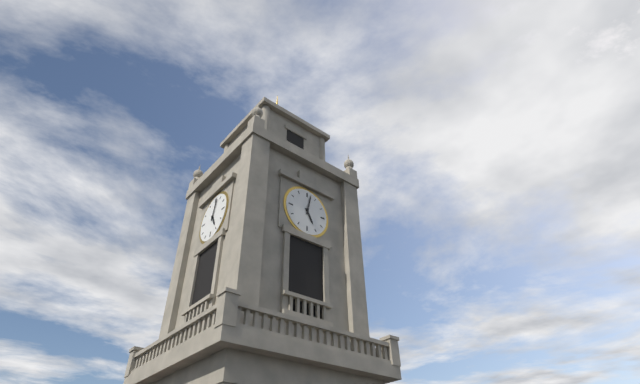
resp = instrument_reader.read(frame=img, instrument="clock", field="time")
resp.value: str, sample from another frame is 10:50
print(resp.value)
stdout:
5:02
